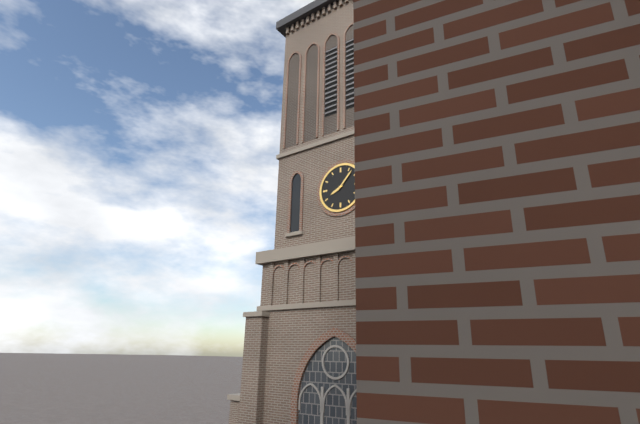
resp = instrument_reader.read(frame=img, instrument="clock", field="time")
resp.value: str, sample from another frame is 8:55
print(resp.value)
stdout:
8:07
